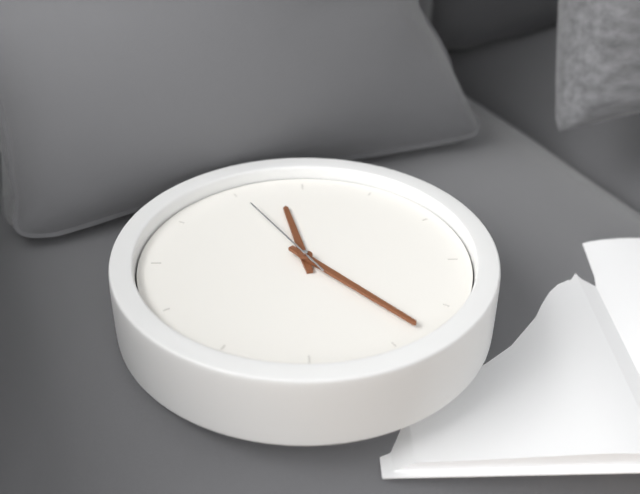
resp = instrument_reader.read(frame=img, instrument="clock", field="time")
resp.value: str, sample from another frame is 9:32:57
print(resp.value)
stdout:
2:38:10
